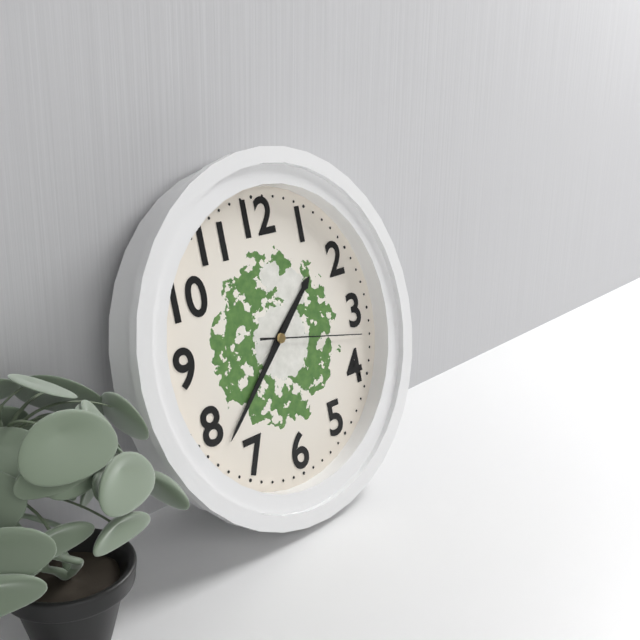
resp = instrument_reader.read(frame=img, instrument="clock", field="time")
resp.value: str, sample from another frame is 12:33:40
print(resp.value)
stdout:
1:38:17
